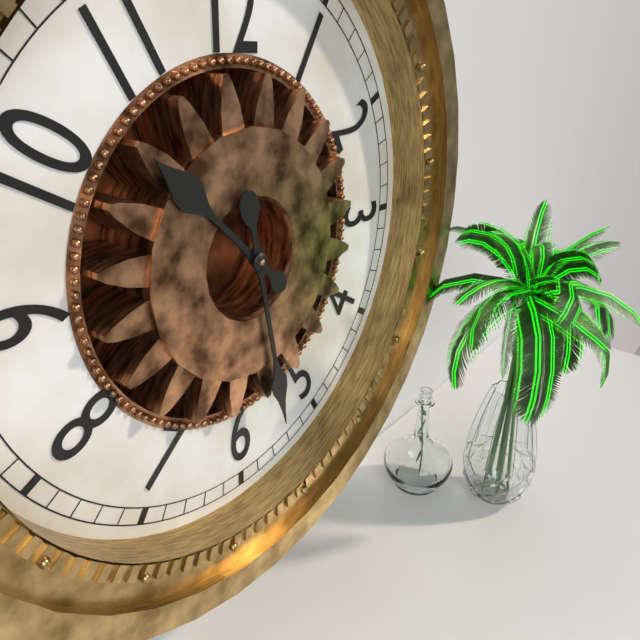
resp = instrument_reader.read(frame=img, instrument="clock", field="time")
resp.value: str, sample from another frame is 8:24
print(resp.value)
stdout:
10:28
